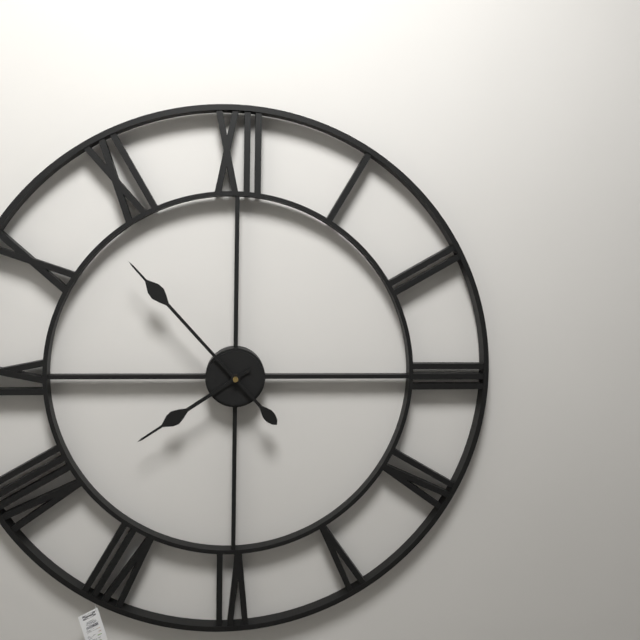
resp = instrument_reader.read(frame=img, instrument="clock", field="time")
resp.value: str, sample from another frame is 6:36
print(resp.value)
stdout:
7:53
